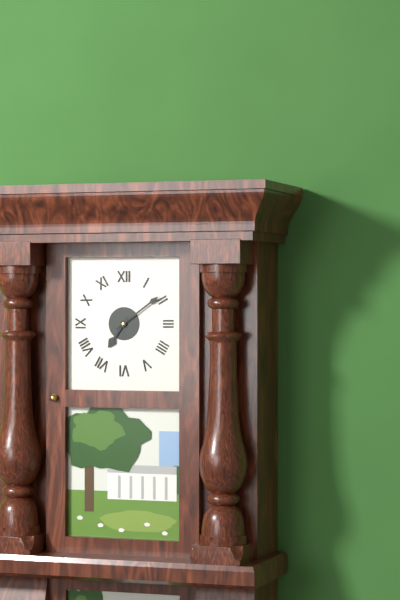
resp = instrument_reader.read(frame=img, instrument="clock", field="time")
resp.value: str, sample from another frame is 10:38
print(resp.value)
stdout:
7:09
